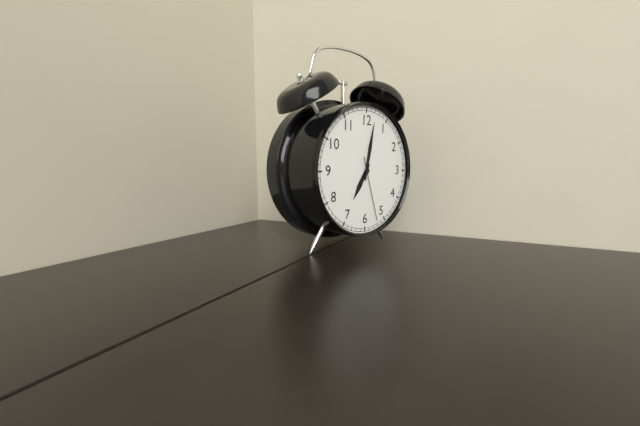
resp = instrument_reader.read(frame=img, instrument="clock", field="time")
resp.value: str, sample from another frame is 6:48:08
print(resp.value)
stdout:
7:02:27
